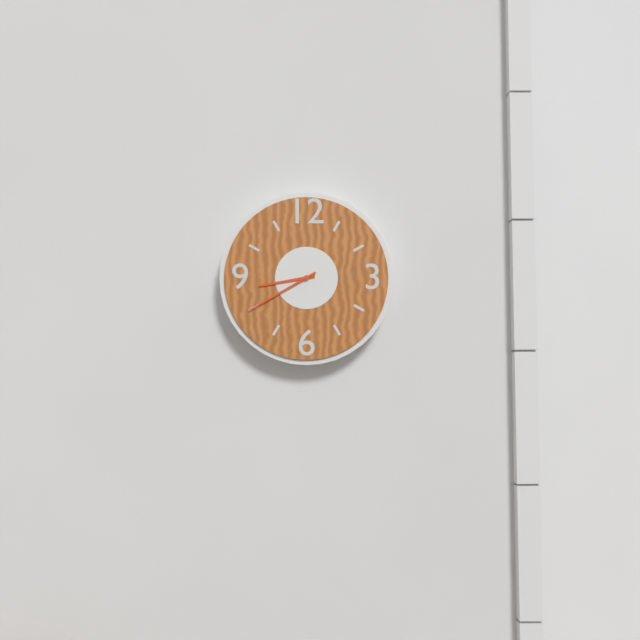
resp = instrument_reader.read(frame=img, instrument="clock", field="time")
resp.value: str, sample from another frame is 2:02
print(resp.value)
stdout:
8:40
